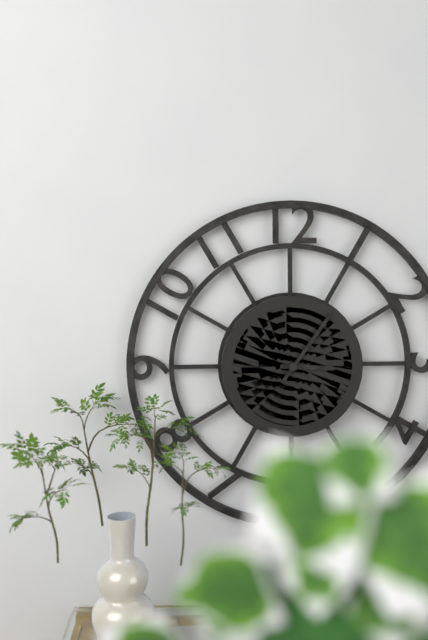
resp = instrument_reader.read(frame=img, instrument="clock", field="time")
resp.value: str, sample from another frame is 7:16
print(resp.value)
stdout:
3:06
